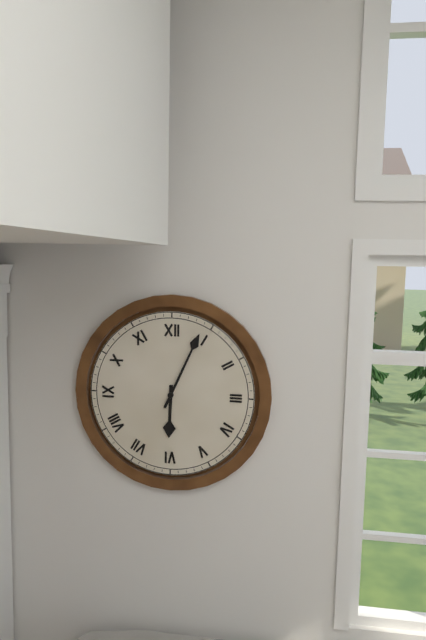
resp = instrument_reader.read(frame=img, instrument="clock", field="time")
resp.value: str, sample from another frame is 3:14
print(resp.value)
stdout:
6:04
